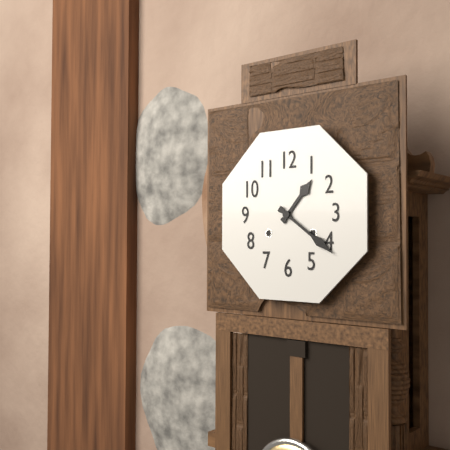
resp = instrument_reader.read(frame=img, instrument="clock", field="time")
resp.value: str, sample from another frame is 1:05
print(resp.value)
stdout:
1:21
